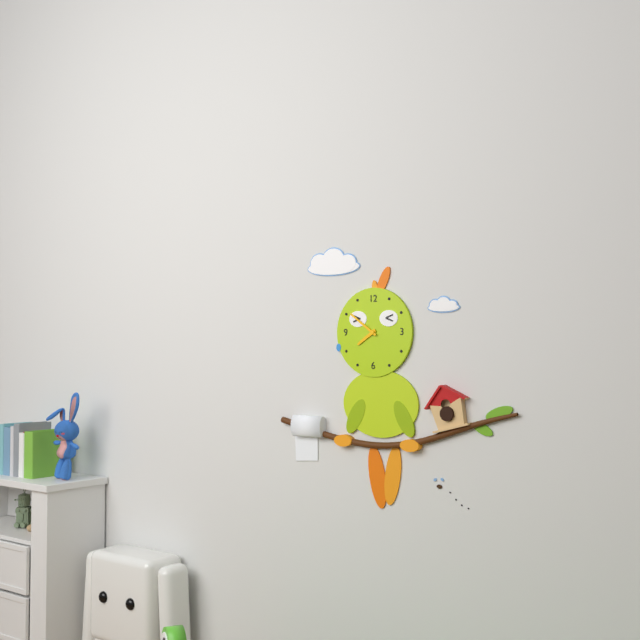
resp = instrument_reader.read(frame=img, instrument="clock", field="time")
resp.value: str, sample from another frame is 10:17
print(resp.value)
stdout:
7:51
